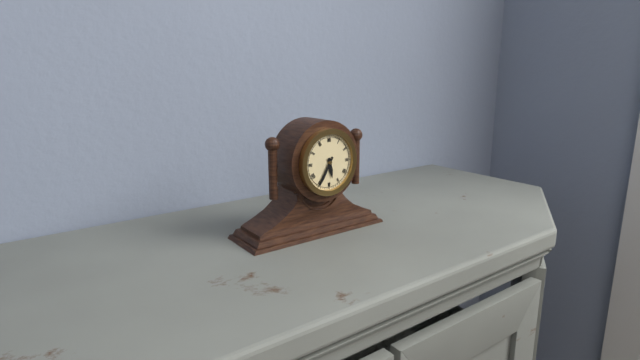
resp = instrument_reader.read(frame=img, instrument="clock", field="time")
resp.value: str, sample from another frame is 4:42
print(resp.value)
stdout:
5:35
